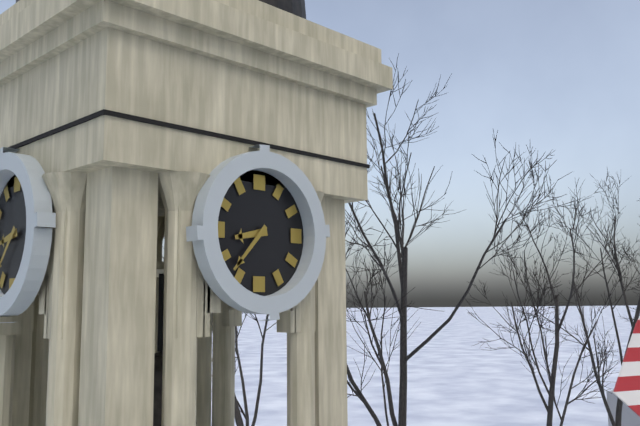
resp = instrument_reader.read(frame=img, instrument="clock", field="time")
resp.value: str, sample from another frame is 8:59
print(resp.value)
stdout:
8:37
